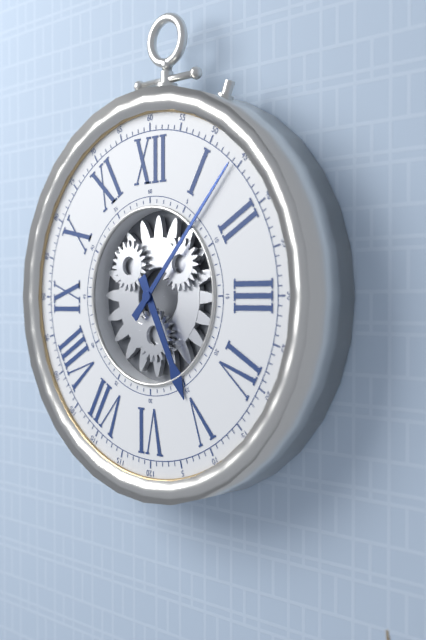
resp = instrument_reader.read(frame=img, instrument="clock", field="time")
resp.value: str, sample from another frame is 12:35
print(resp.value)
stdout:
5:07
